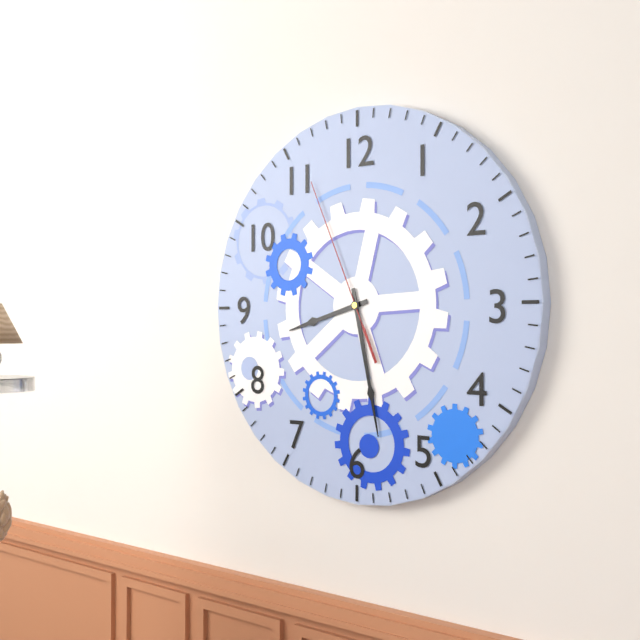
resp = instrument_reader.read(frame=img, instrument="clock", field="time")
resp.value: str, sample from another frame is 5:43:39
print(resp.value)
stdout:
8:28:56
